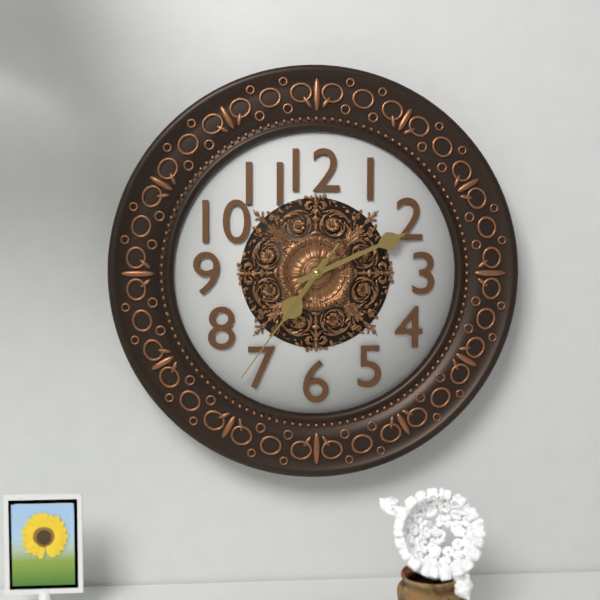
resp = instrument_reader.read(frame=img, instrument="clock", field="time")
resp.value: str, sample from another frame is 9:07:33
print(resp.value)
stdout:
7:11:36
